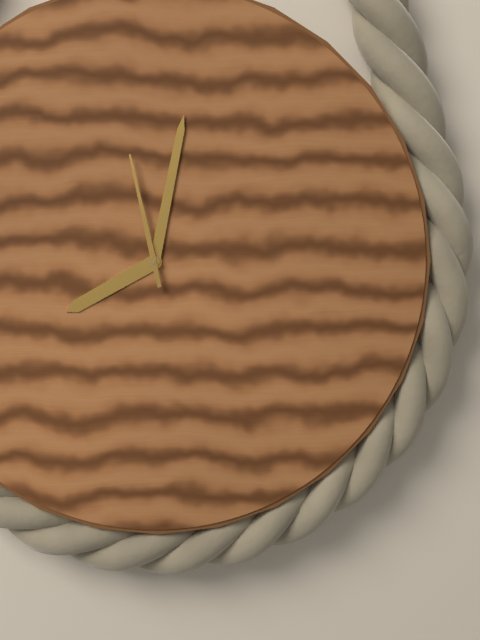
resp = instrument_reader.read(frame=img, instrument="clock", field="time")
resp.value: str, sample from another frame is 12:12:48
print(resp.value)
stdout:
8:02:58
